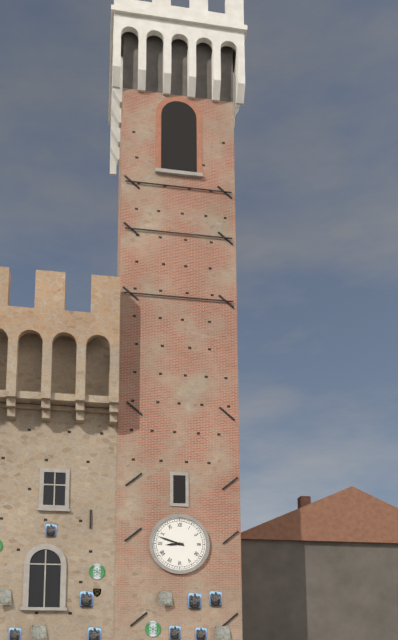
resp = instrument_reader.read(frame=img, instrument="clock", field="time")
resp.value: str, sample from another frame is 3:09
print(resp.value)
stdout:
8:48
